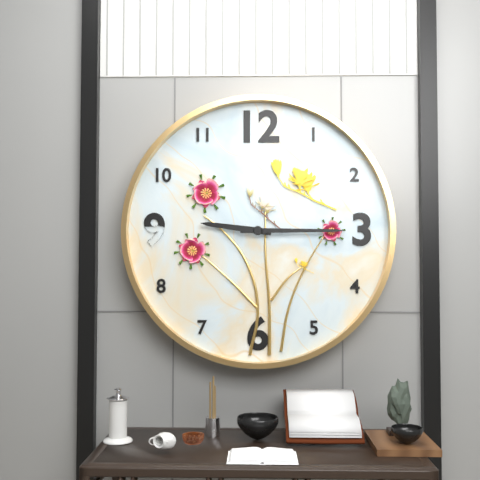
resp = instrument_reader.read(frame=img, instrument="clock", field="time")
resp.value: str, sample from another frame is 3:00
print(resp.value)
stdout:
9:15
